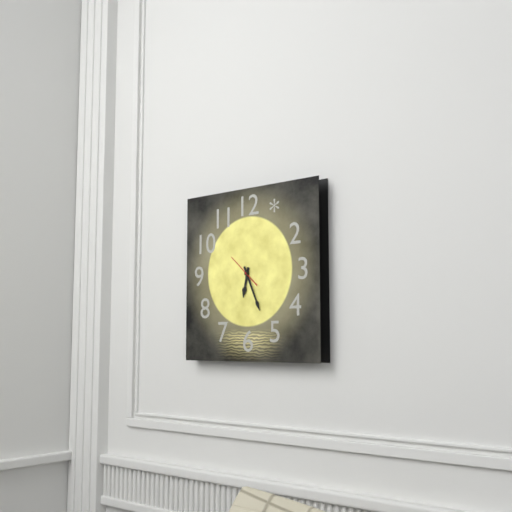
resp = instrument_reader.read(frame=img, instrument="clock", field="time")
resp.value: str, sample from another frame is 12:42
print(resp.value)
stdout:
6:26
